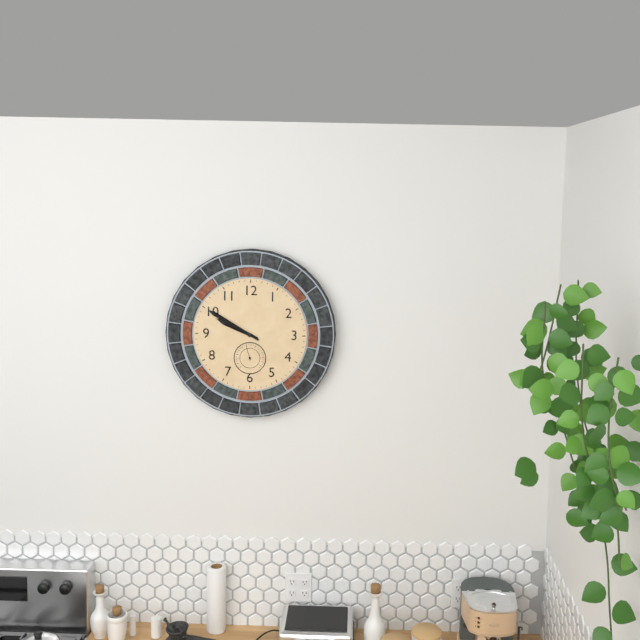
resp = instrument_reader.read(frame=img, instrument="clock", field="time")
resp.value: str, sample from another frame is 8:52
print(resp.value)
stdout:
9:50
